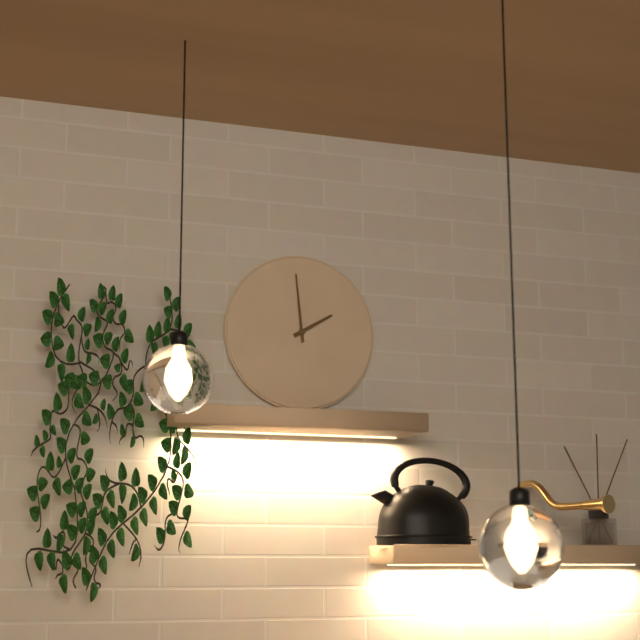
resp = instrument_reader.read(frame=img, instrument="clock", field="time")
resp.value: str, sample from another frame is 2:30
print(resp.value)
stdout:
1:59
